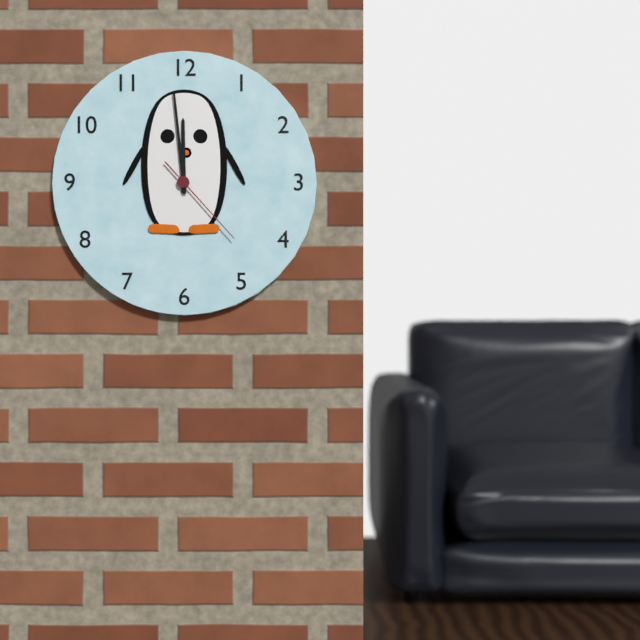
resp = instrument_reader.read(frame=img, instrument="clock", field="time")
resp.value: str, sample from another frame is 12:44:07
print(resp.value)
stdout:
11:59:23
